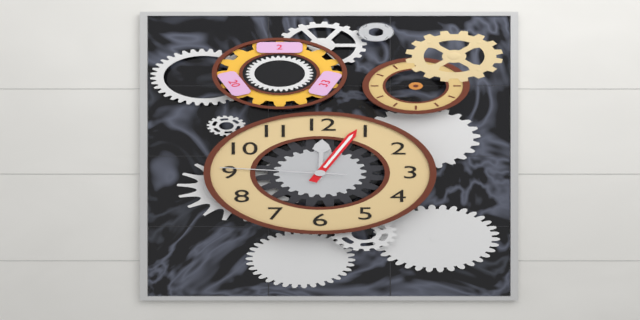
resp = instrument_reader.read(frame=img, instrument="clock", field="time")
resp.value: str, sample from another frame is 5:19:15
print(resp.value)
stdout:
12:04:46
